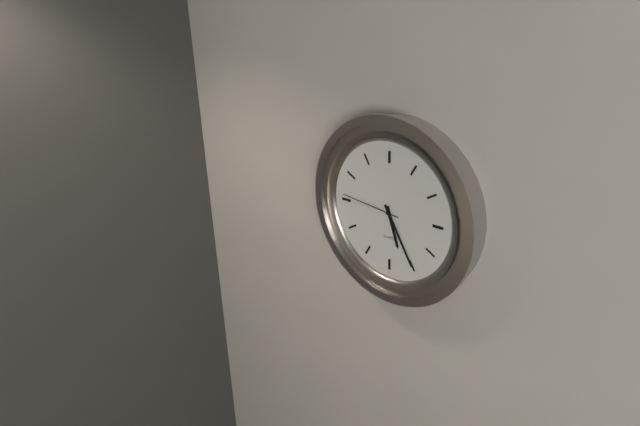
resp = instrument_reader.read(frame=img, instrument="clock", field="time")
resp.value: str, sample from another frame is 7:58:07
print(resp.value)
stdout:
5:25:46
